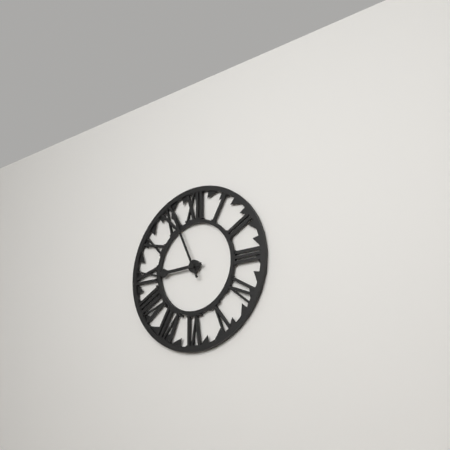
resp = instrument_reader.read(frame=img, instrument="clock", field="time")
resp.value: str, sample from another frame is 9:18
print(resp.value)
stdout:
8:56
